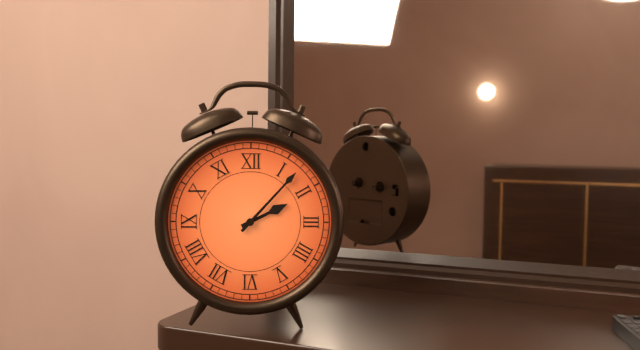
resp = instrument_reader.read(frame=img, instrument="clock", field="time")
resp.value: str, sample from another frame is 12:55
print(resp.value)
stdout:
2:07
